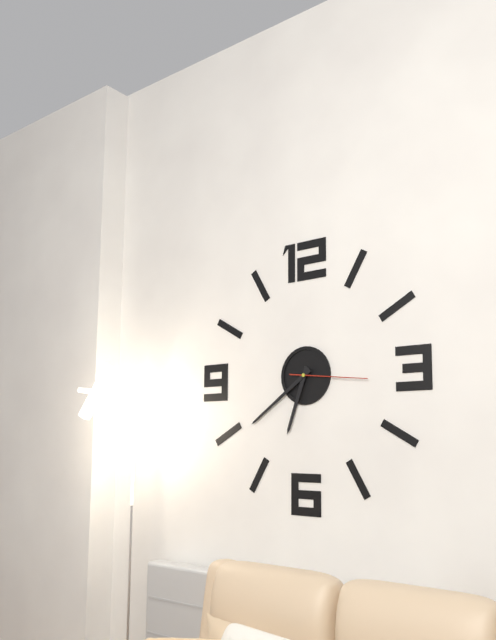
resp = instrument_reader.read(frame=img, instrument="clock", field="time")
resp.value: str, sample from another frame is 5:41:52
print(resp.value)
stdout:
6:39:16
